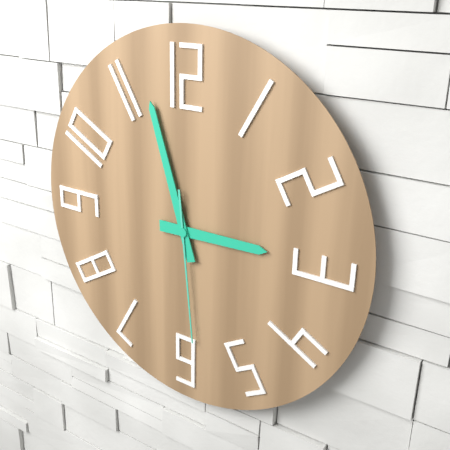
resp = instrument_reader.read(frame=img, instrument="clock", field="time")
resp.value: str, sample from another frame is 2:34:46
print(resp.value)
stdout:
2:57:29
